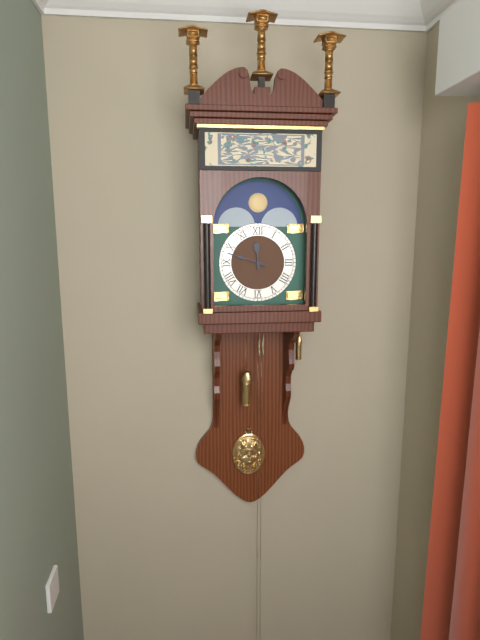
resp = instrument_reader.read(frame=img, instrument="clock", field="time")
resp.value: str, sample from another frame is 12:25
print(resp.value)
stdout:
11:48
